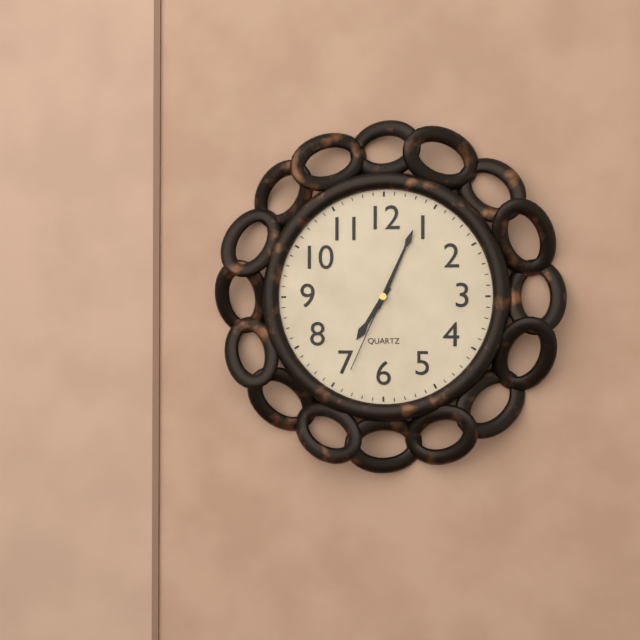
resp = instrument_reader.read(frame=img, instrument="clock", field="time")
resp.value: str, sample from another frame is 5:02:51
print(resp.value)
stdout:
7:04:34
